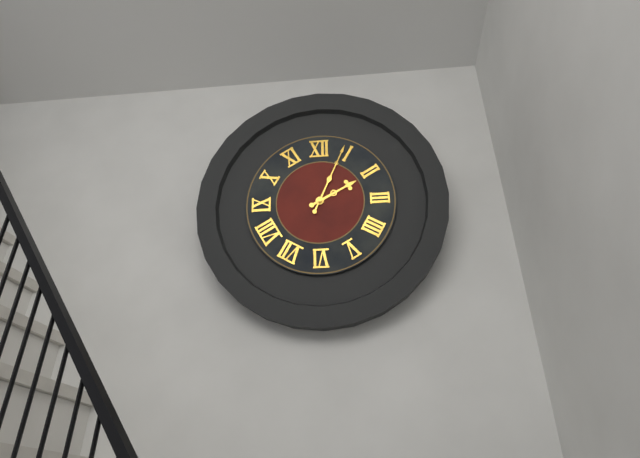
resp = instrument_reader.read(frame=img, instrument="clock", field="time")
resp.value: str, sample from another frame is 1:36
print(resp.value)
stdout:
2:04
